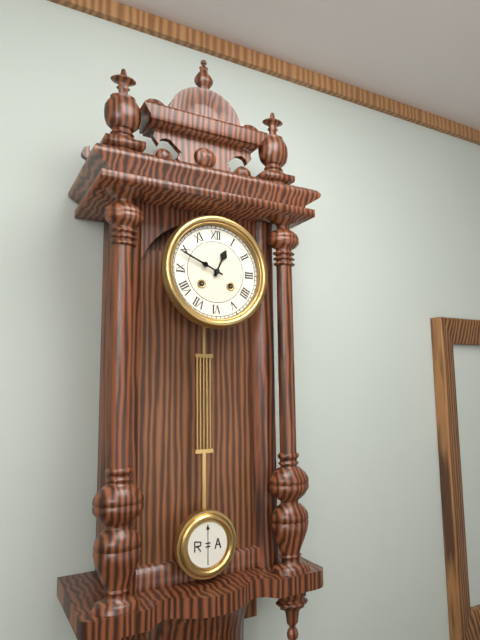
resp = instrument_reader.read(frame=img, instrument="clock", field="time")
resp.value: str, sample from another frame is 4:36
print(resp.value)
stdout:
12:49
